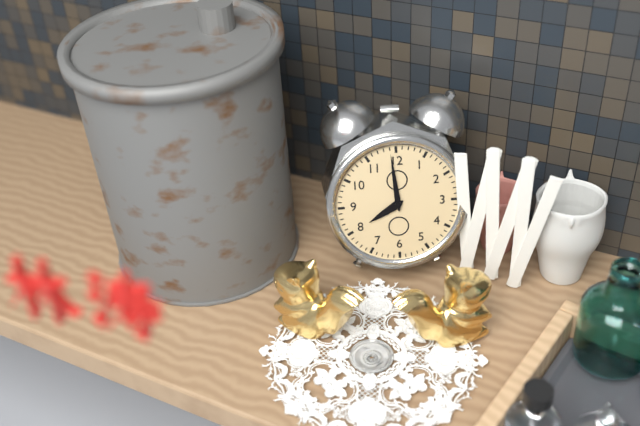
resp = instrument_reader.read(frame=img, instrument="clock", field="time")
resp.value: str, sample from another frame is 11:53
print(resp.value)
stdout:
7:59
